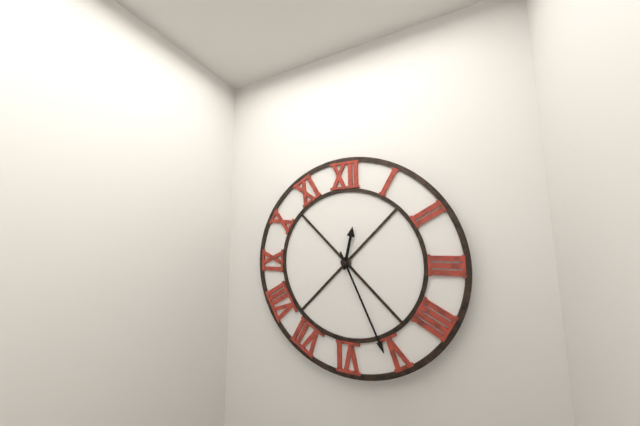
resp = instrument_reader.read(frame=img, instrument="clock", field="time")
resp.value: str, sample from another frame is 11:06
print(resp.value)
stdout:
12:26
